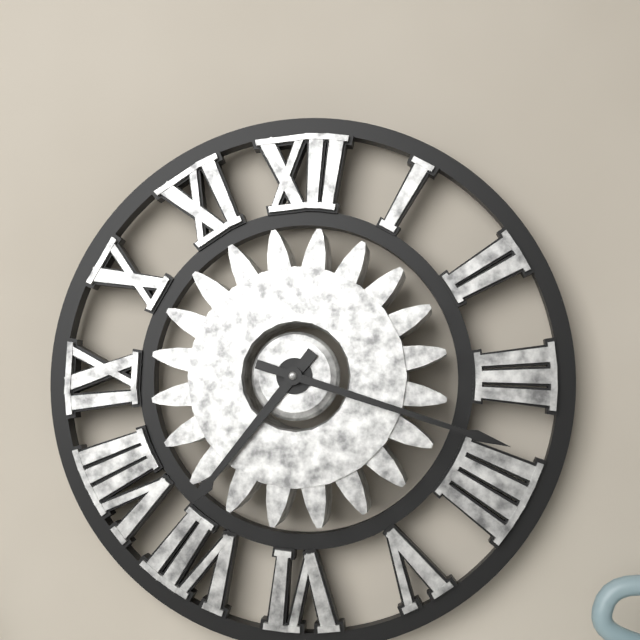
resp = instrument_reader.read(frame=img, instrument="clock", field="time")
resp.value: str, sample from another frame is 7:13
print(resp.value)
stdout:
7:18
